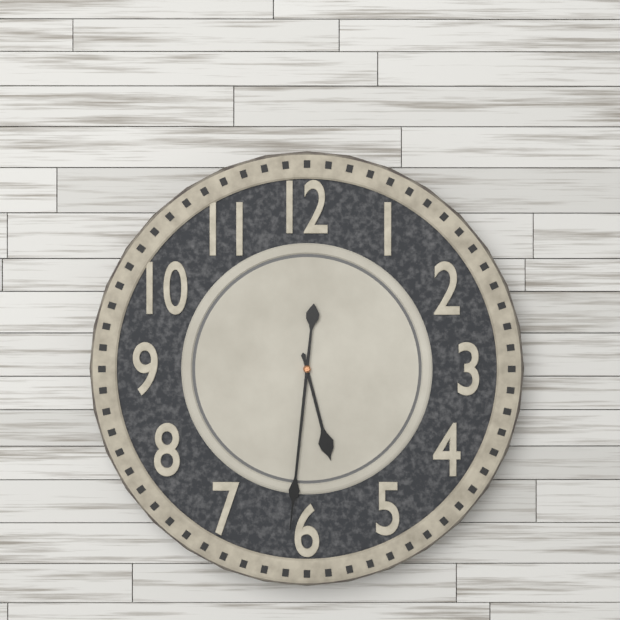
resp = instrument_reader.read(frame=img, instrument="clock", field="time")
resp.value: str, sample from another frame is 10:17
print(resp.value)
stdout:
5:31
